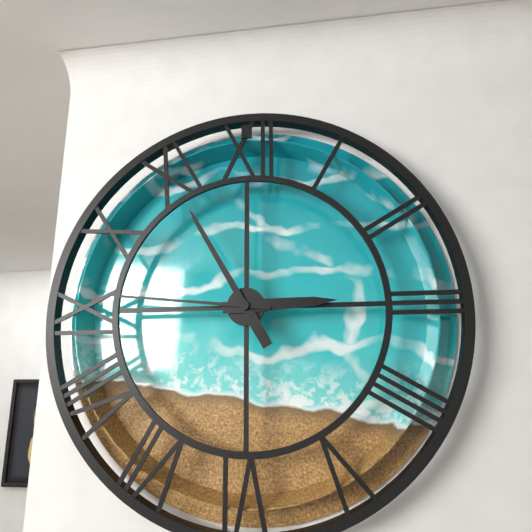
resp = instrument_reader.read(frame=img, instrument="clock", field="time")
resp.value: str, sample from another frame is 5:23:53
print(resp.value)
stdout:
2:55:46
